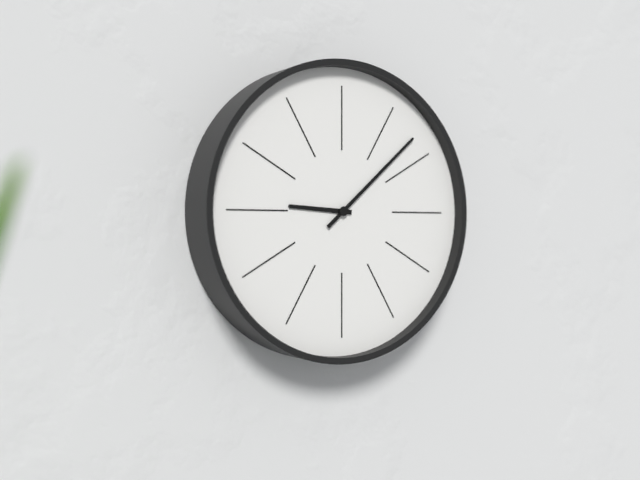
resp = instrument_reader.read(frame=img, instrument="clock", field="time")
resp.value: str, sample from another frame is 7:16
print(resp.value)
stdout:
9:08
